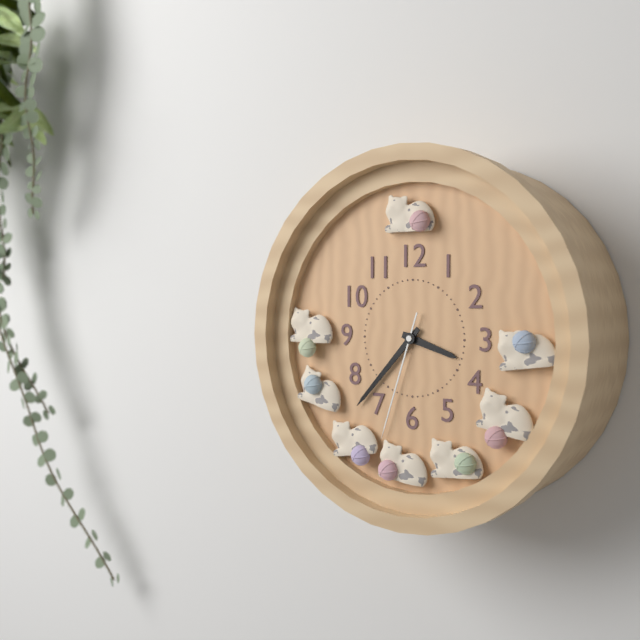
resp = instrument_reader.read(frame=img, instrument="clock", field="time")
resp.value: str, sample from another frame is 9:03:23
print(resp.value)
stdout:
3:37:33
